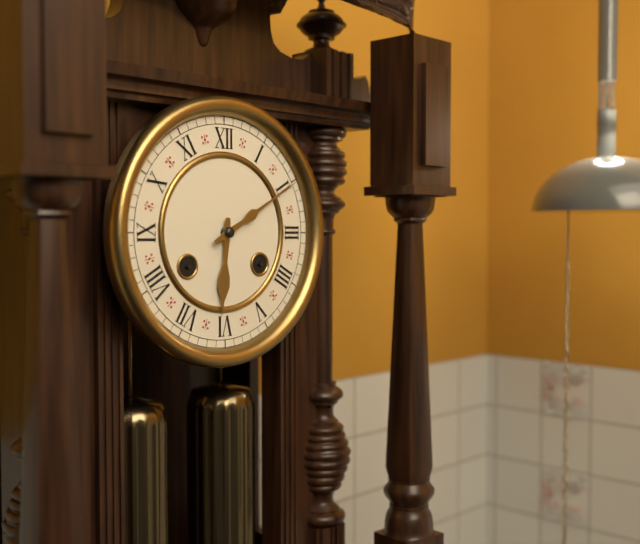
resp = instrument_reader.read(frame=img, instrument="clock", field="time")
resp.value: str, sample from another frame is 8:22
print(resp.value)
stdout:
6:10
